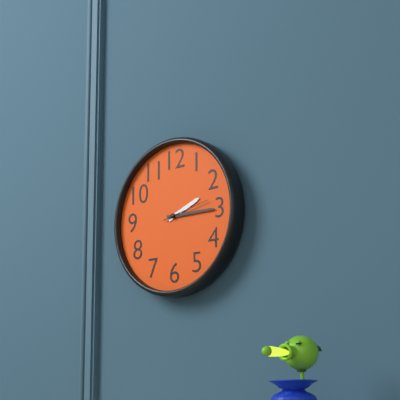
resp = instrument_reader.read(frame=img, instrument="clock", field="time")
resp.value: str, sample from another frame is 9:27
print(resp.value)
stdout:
2:15
